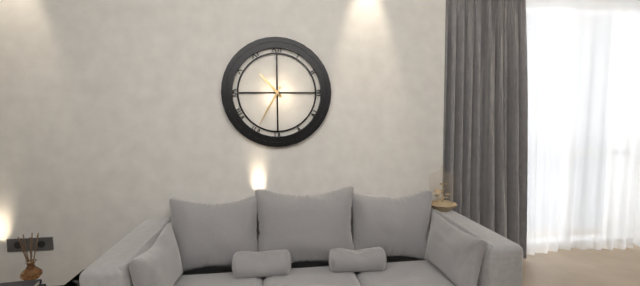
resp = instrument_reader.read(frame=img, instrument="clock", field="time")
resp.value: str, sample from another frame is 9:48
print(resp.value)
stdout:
10:35
